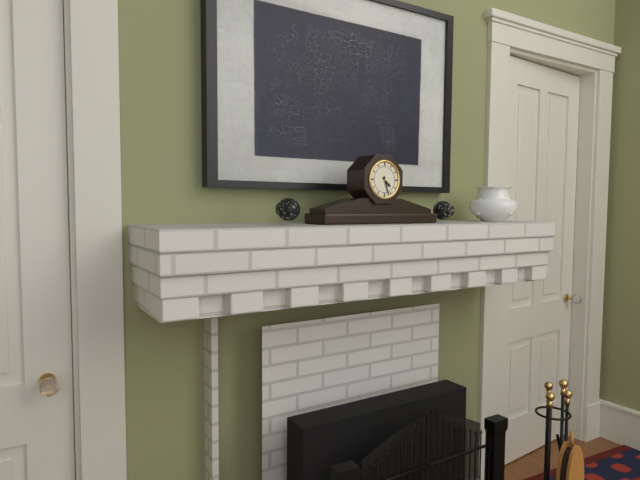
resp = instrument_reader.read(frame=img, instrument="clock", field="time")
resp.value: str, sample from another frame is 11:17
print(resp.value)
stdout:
4:27
